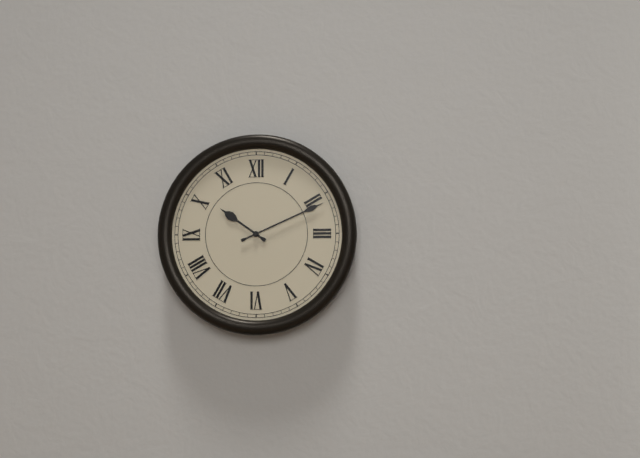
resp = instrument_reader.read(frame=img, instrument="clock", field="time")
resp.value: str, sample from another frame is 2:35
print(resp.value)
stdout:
10:11
